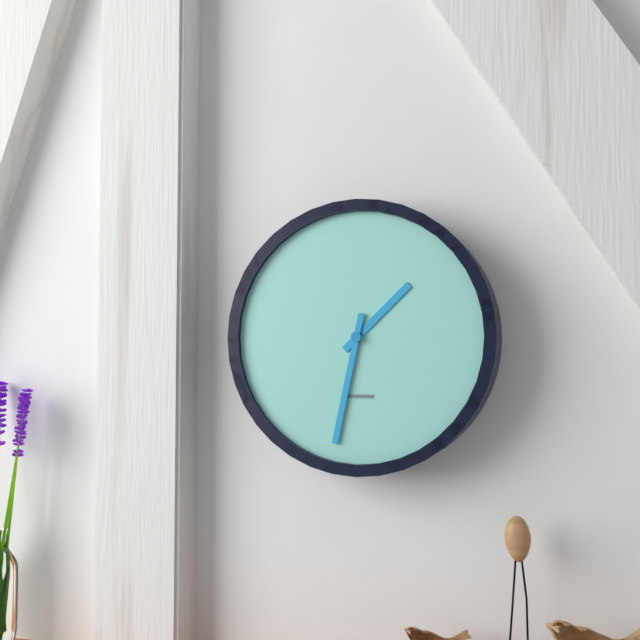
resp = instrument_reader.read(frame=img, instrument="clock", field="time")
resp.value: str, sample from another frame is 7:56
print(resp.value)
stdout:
1:32
